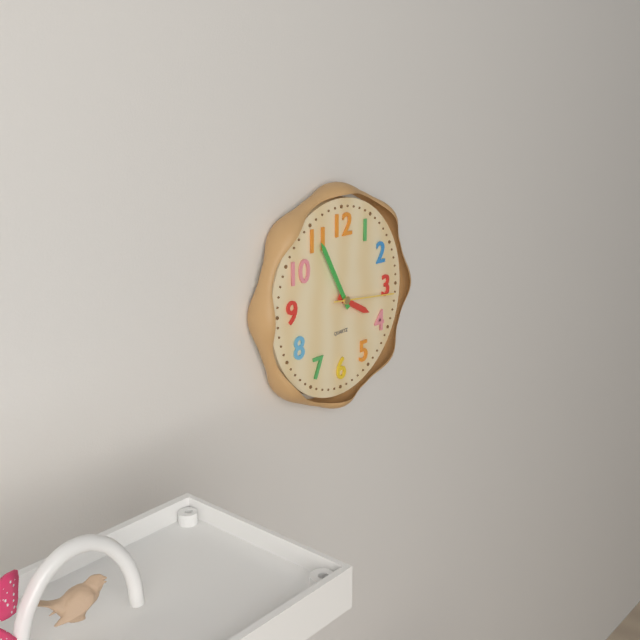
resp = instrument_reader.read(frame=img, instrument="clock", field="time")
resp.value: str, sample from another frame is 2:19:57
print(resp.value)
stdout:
3:55:16
